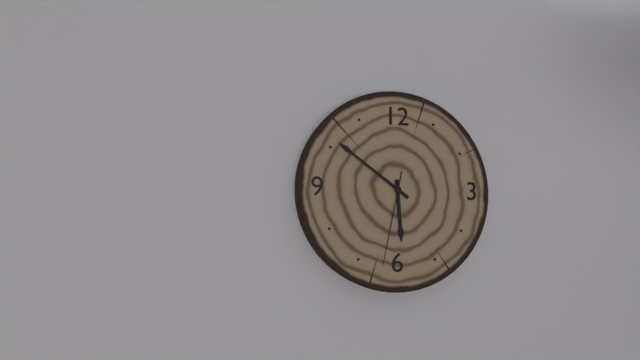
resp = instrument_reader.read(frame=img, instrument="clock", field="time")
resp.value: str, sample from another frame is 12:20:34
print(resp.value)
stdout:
5:51:32
